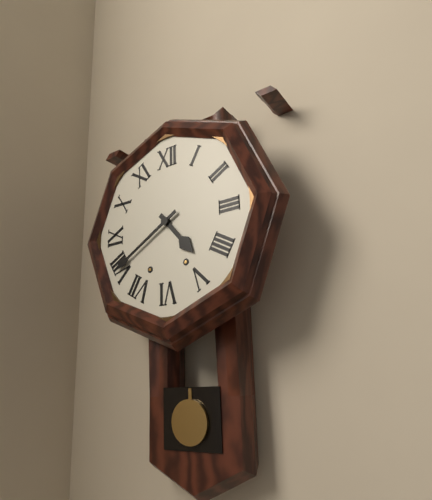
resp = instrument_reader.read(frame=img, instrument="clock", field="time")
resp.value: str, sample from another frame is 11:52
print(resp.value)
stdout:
4:40
